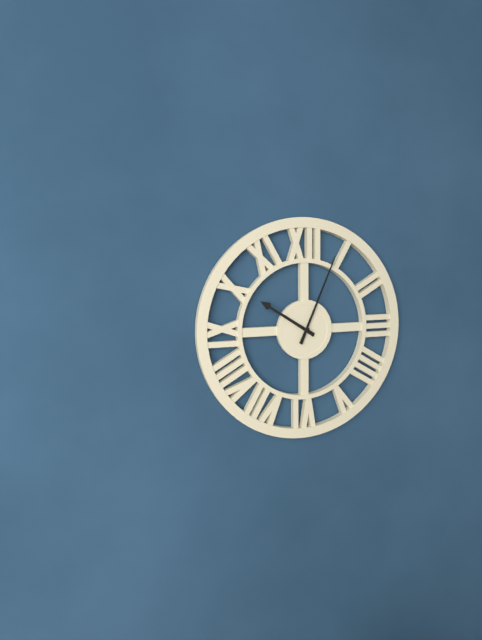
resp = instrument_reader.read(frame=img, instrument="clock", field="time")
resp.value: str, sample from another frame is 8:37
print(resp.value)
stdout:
10:04
